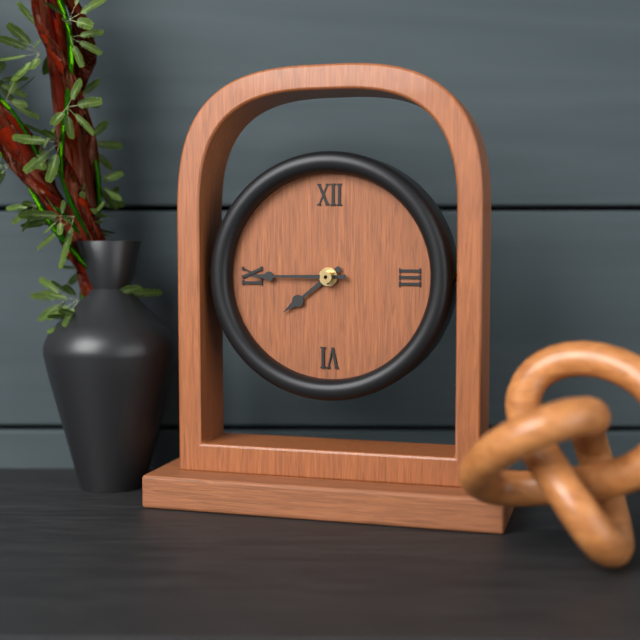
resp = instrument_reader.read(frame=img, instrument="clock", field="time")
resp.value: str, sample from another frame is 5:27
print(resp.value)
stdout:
7:45
